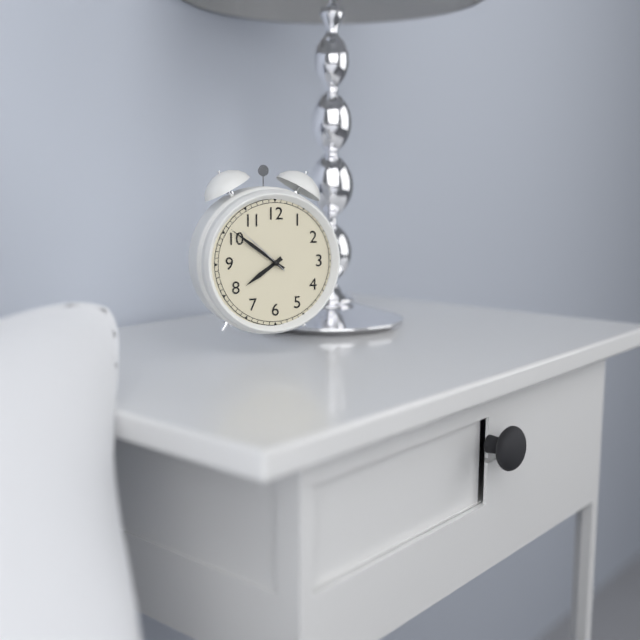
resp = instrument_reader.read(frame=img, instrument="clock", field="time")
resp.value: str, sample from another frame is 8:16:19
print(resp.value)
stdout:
7:51:52
